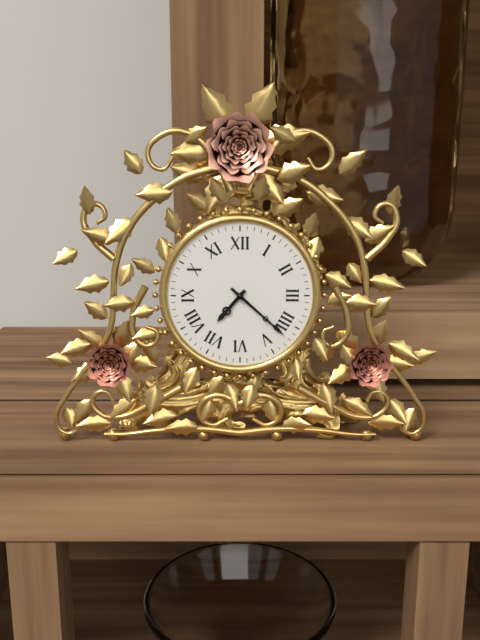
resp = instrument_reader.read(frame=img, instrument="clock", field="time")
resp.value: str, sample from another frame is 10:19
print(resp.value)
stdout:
7:22
